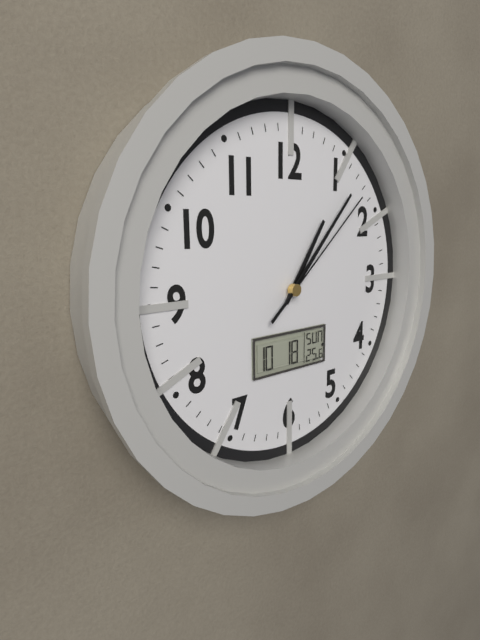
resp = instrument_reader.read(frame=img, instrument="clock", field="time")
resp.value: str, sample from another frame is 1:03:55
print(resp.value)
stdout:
1:07:08
